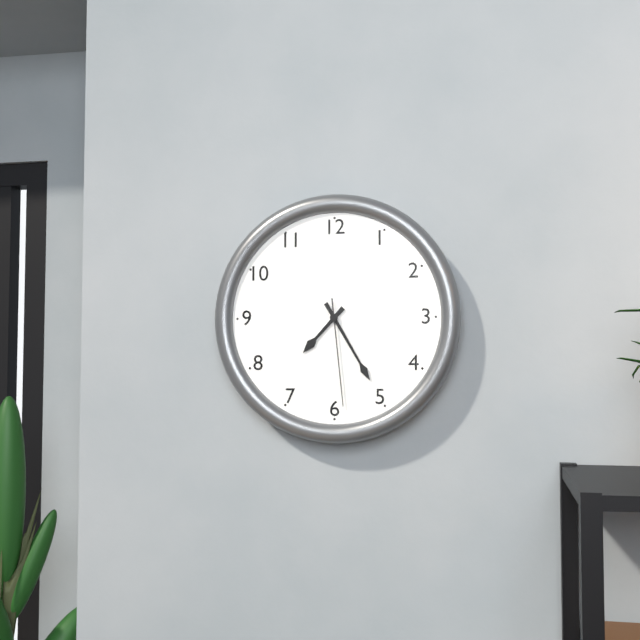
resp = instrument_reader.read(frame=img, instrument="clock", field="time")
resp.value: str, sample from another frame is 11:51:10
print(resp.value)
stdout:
7:25:29
